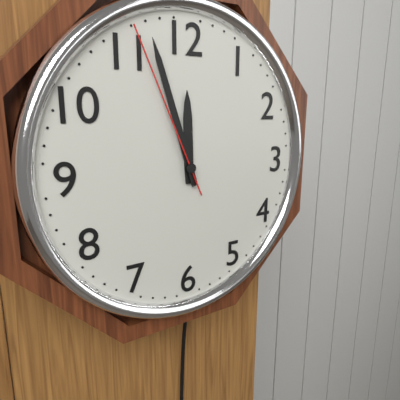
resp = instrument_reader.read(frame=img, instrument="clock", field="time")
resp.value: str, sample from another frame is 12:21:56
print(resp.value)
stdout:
11:57:56
